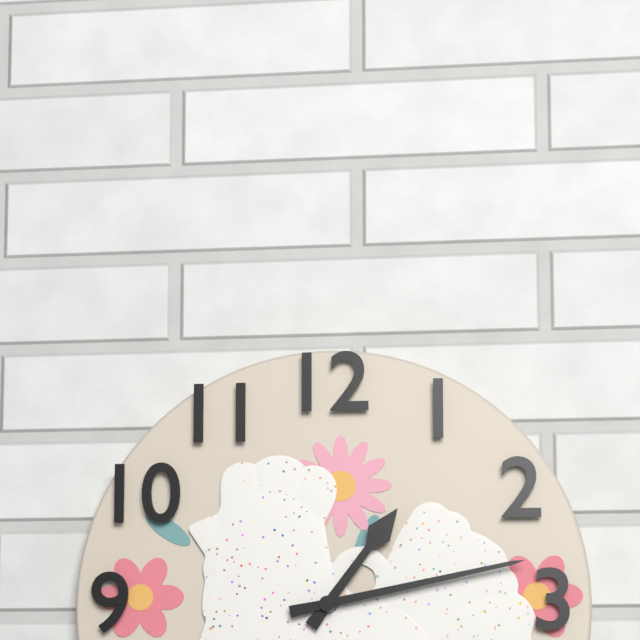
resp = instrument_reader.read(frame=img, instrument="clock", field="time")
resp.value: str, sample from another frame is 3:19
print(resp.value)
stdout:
1:13
